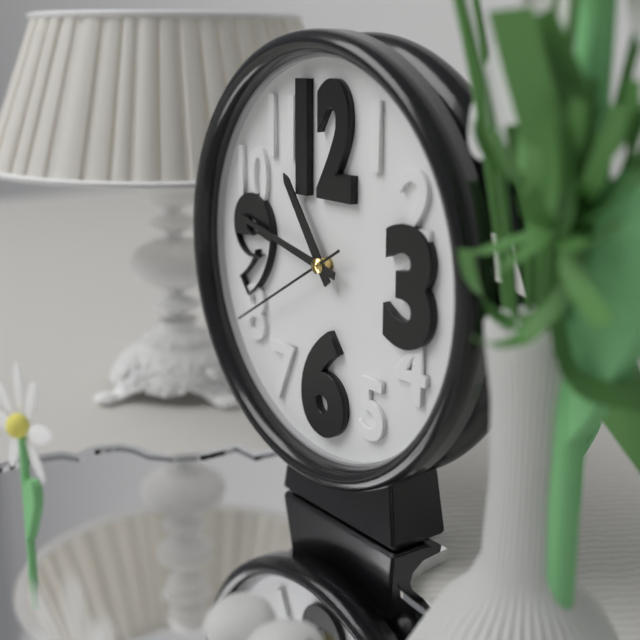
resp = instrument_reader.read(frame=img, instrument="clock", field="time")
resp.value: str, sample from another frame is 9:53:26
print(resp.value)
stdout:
10:47:40
